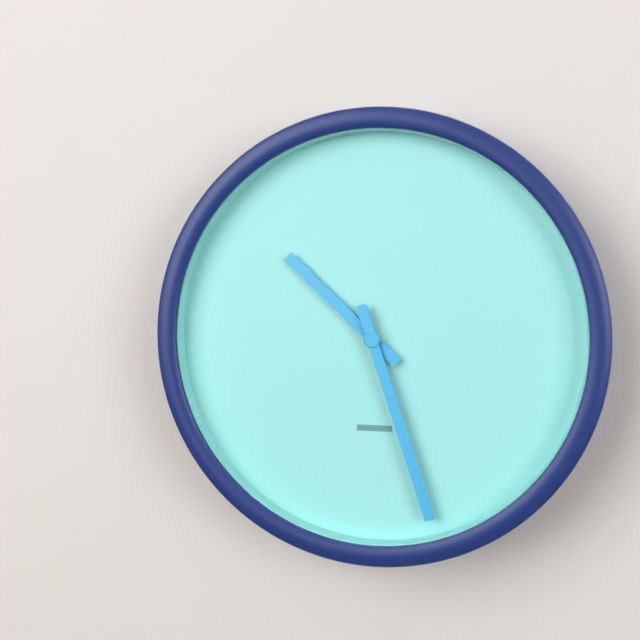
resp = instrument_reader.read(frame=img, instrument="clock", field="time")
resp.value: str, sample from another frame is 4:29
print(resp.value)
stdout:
10:27
